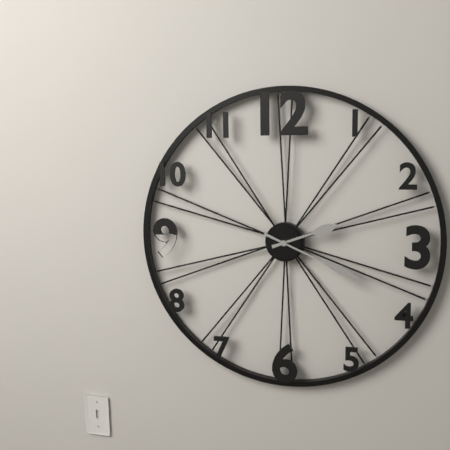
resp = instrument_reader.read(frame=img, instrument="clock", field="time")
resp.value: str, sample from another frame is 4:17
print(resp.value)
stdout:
2:19
